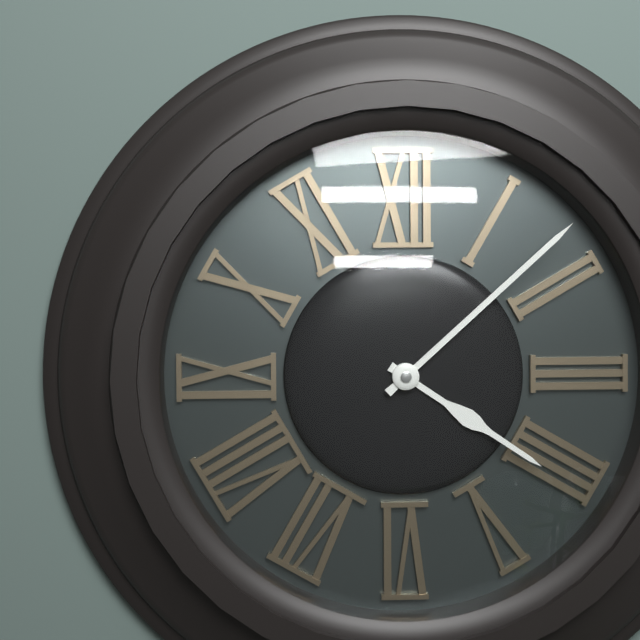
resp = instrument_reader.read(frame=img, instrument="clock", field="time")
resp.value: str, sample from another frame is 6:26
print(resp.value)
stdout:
4:08
